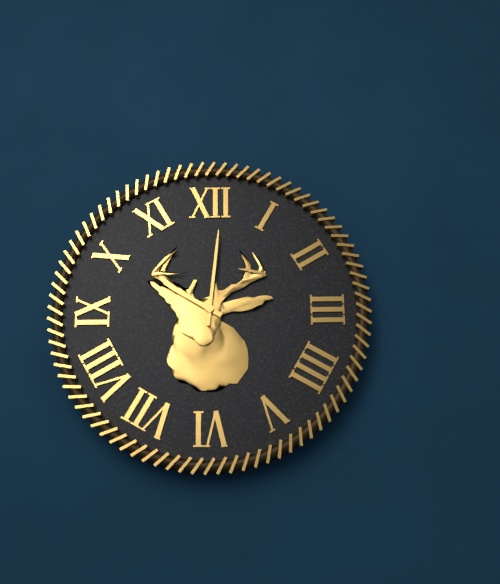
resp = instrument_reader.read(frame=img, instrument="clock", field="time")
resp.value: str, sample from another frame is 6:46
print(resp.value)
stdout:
10:01
